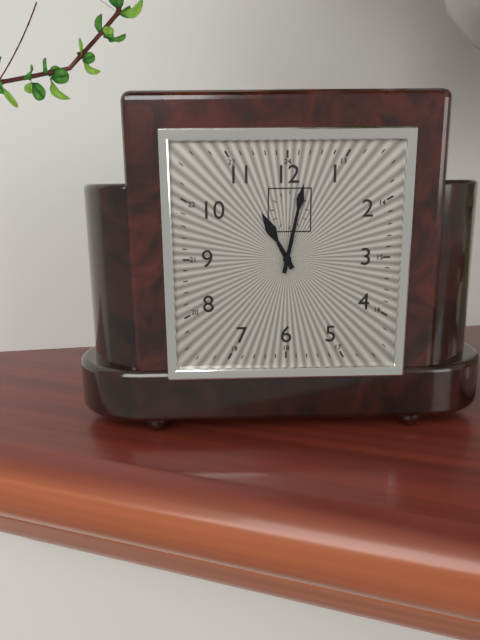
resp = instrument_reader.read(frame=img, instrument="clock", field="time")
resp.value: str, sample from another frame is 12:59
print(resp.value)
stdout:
11:02
